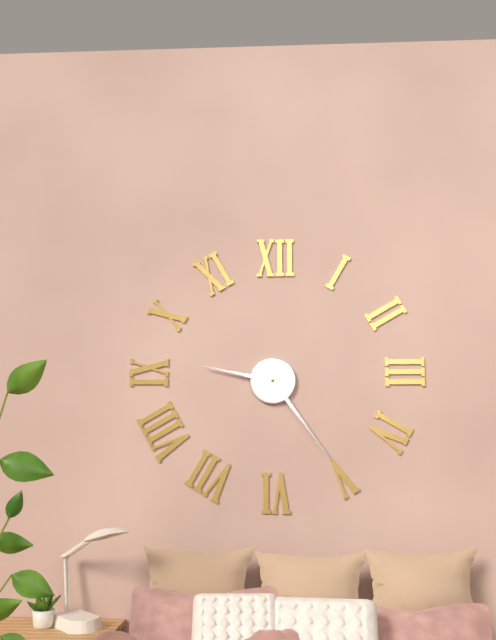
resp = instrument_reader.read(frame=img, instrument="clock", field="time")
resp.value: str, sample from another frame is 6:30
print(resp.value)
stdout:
9:24
